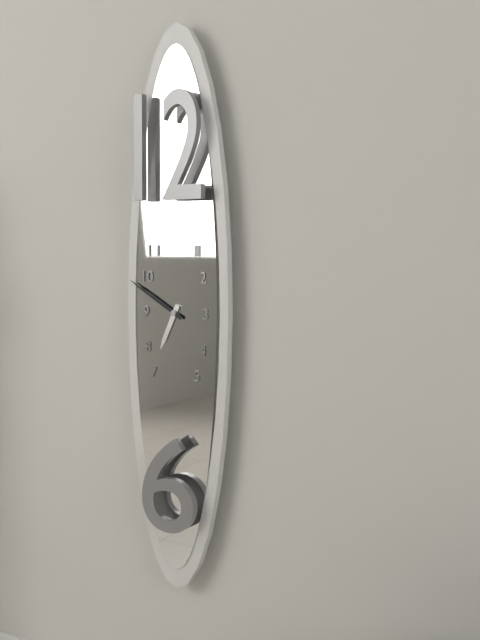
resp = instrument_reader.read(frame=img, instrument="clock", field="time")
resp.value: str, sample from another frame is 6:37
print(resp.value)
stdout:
6:50
